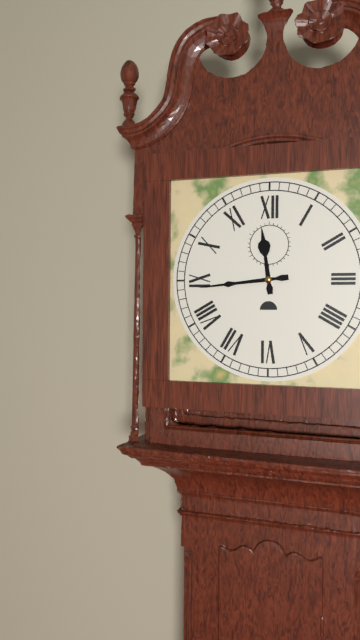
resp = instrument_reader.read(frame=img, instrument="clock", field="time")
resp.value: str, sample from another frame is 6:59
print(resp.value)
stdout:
11:44
